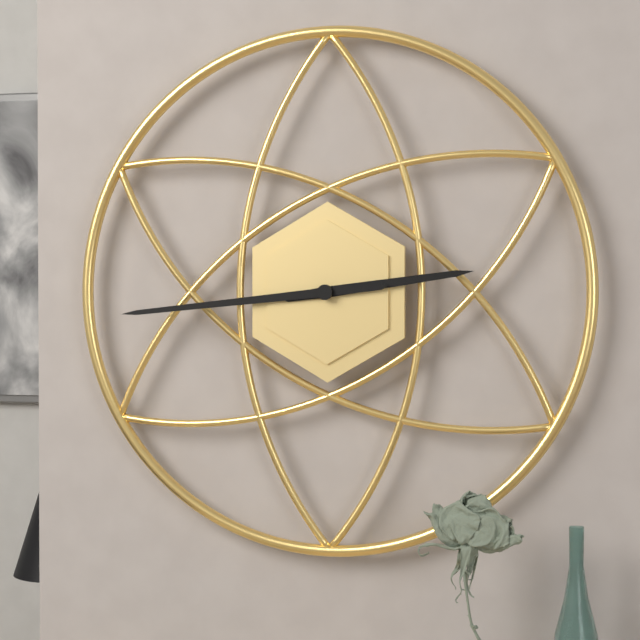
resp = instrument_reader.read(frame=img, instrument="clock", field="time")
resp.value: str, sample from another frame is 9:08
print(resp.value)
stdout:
2:44
